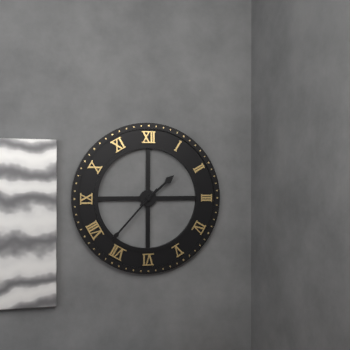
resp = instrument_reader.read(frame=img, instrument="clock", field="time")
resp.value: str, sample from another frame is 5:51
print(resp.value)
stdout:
1:37
